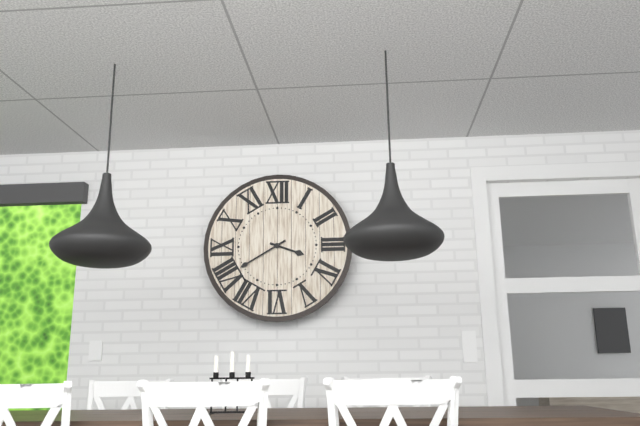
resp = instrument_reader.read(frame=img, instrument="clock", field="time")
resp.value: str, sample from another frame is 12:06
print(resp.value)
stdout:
3:40
